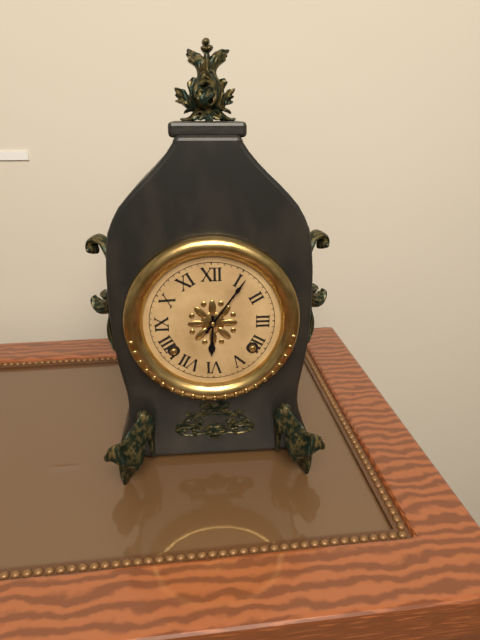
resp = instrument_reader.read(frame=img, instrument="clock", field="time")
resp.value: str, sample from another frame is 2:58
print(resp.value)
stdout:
6:06
